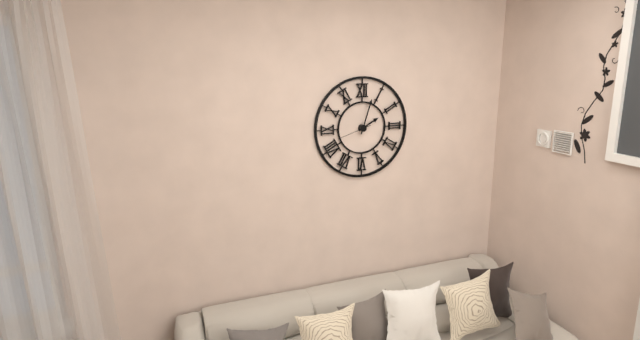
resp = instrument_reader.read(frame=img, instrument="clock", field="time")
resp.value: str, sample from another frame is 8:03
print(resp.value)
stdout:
2:03
